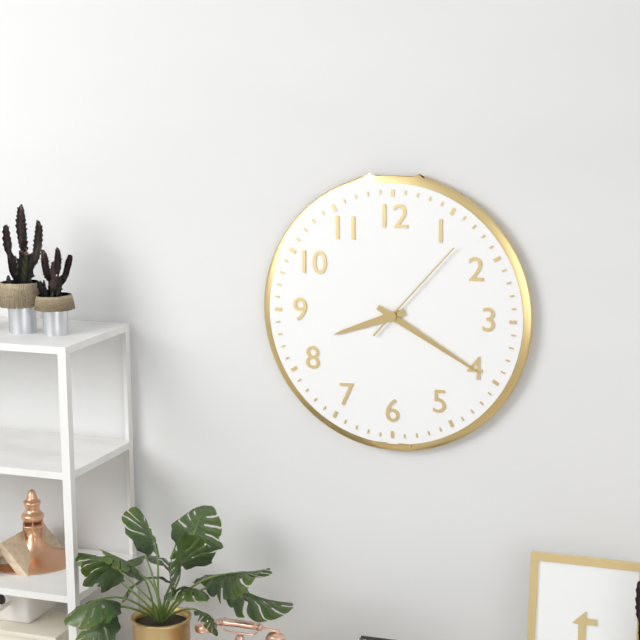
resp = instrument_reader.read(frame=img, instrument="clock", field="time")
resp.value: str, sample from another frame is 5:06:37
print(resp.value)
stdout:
8:20:07
